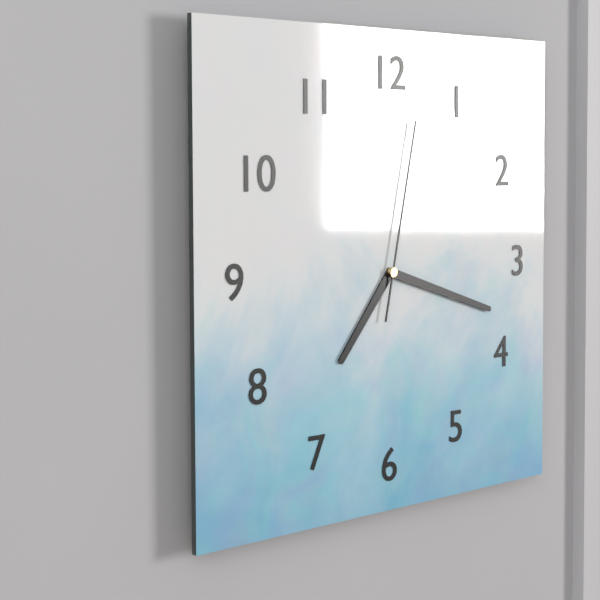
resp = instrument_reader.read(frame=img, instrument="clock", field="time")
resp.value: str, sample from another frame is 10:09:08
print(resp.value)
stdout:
7:18:02
